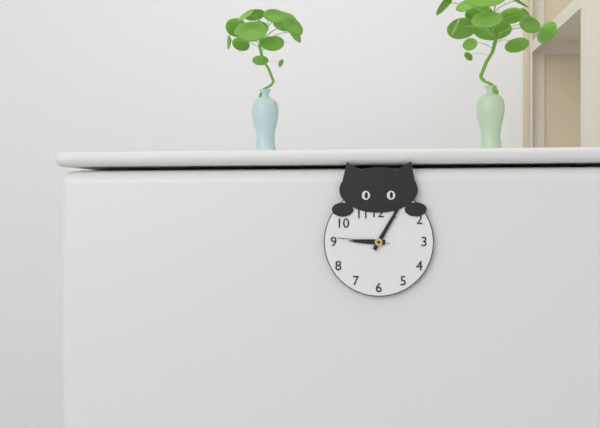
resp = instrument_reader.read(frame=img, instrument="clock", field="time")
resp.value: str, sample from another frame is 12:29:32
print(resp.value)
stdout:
9:05:46
